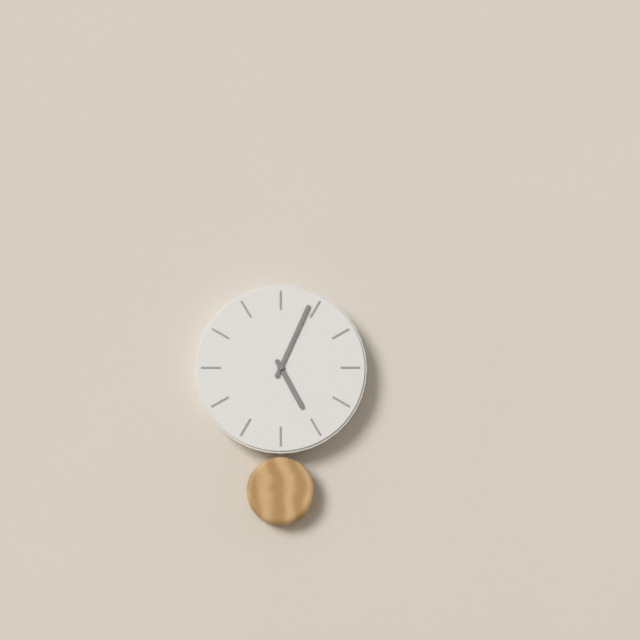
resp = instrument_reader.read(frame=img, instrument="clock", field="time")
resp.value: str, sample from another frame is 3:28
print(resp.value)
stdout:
5:04
